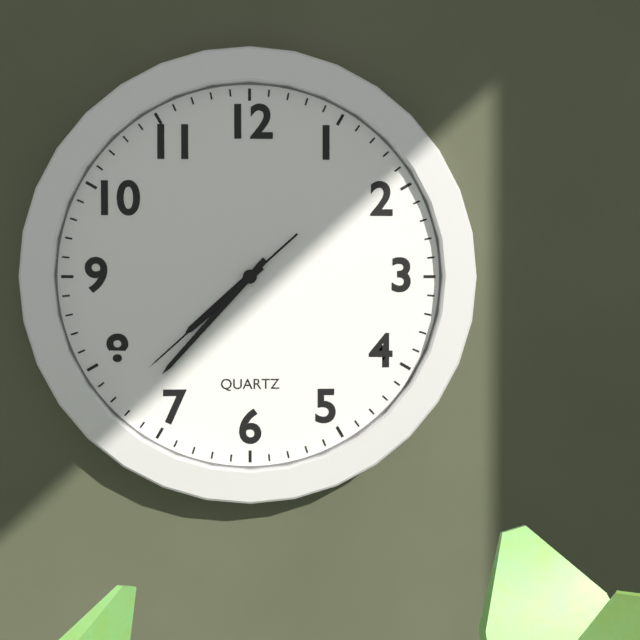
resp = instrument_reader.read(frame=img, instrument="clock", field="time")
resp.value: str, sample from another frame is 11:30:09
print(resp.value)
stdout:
7:37:38
